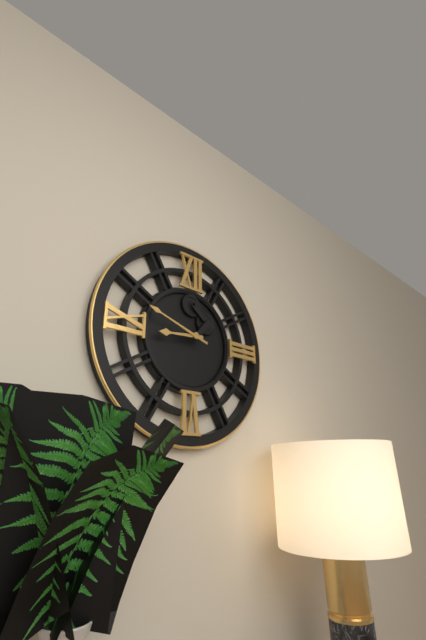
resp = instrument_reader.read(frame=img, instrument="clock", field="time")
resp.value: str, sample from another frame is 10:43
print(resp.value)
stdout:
8:48
